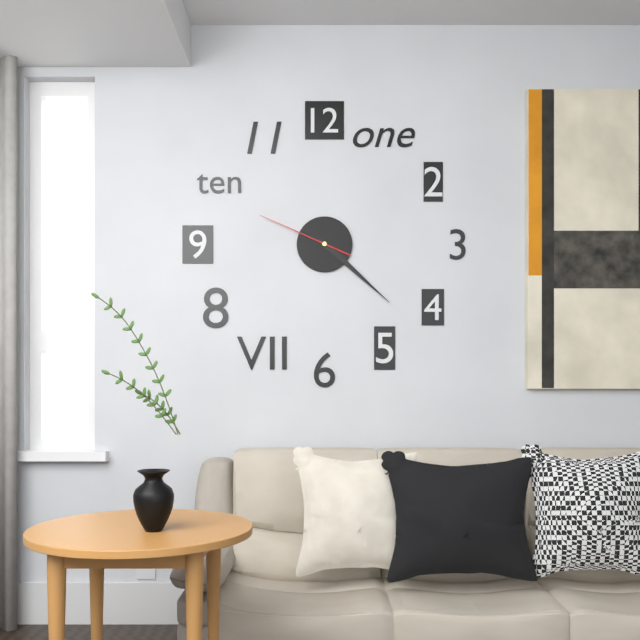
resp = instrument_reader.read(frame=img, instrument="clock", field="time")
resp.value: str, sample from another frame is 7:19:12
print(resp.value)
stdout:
4:22:49
